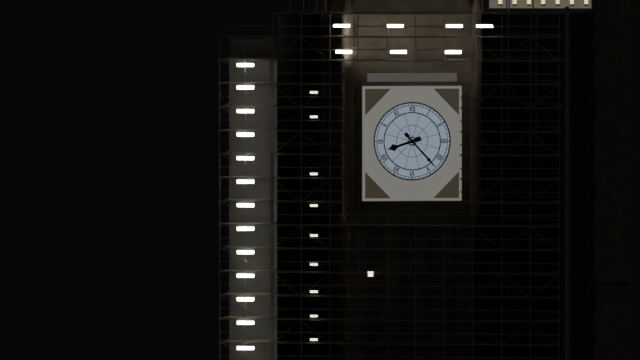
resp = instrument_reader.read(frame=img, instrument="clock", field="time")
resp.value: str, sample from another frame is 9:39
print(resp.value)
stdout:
8:23
